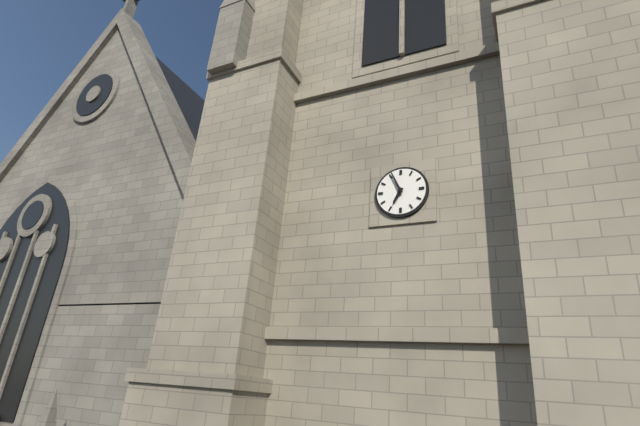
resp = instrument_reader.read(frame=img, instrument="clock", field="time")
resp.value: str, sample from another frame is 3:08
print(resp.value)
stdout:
6:56
